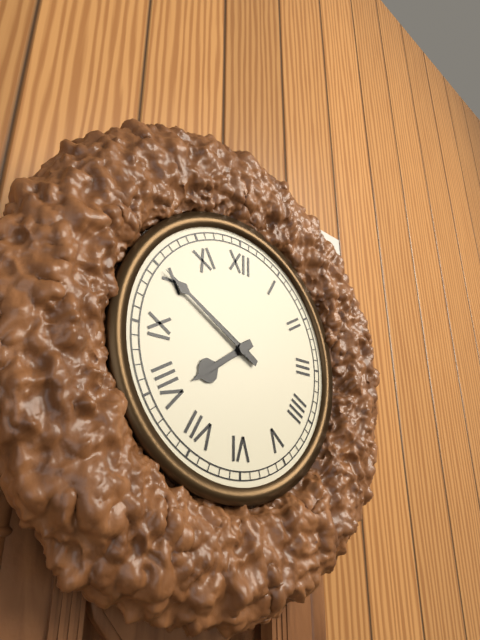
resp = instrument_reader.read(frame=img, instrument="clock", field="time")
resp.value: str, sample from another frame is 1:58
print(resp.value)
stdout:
7:50
